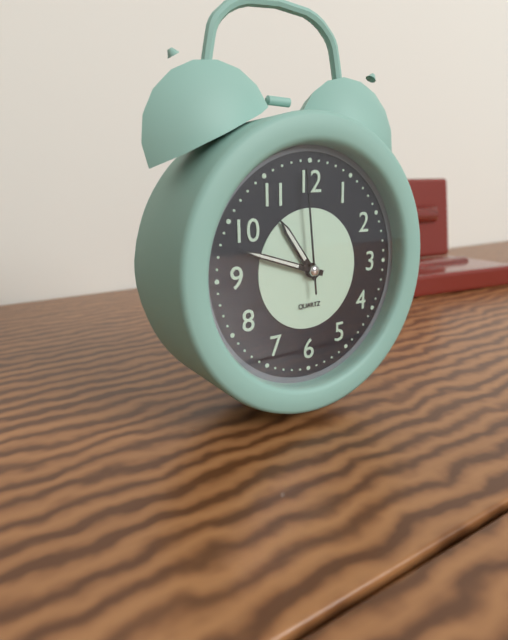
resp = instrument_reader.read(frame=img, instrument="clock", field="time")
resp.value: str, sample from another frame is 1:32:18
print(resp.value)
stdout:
10:48:59
